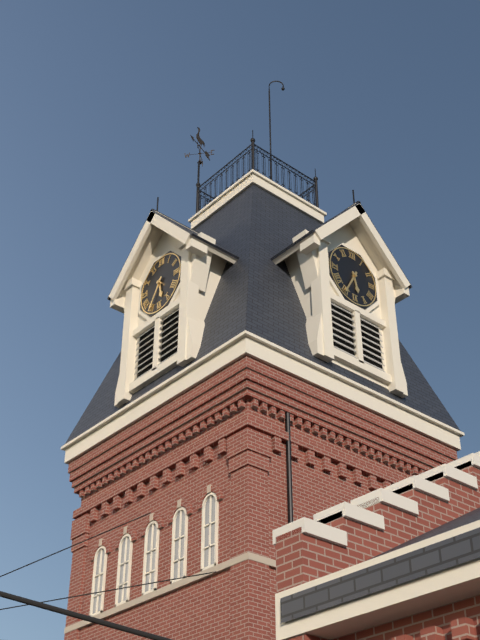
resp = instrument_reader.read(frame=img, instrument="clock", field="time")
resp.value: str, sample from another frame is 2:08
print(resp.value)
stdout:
5:35
